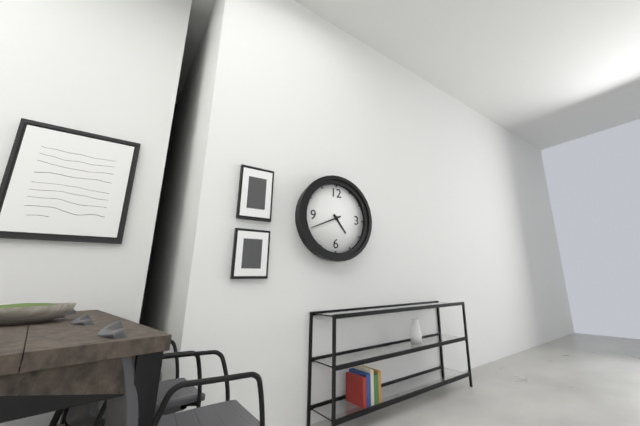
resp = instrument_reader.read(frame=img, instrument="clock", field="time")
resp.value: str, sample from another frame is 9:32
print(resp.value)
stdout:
4:41
